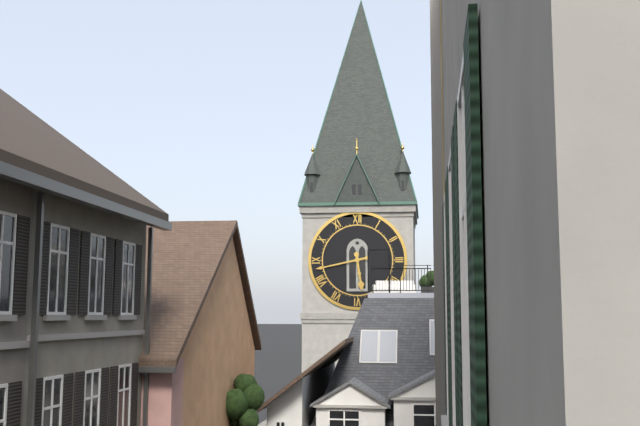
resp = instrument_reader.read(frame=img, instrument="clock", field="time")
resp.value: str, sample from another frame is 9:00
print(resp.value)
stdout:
5:43
